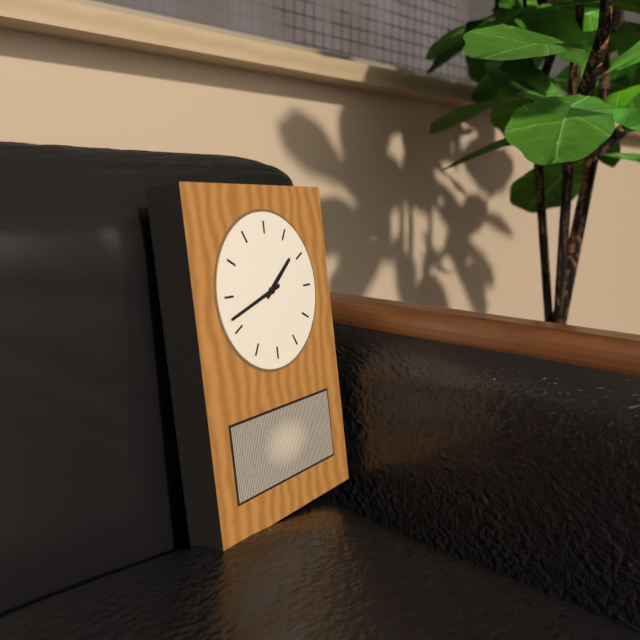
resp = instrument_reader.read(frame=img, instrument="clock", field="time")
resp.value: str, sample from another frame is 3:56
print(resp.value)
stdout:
1:42
